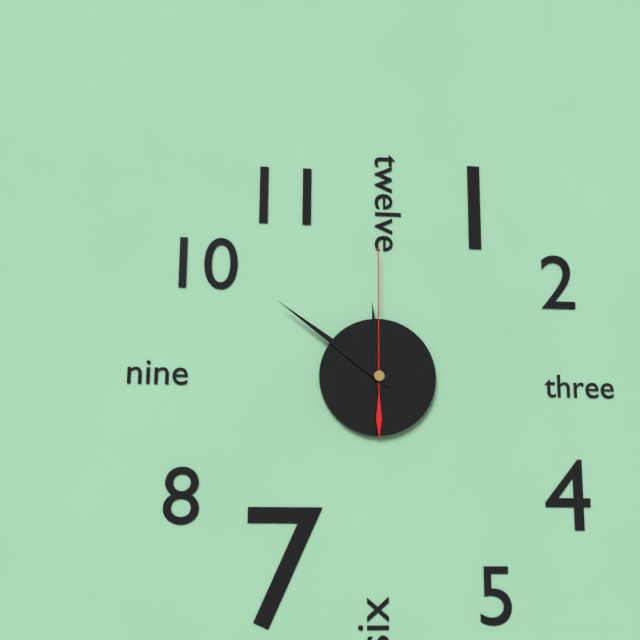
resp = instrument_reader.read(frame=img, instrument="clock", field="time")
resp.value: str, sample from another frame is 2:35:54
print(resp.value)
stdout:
11:51:00
